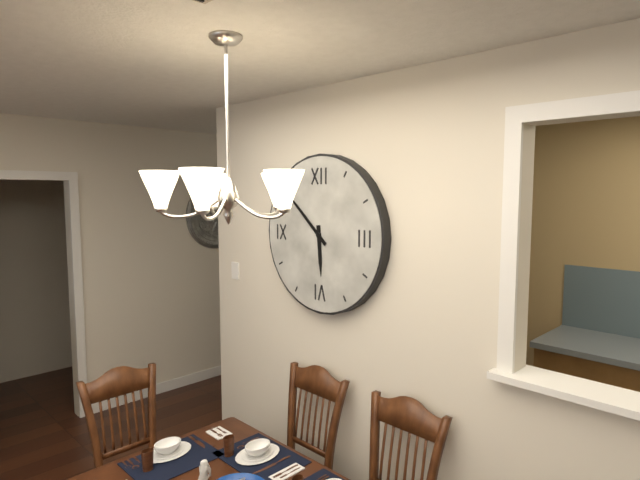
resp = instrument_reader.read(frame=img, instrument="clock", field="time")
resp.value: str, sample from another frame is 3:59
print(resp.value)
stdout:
5:52
